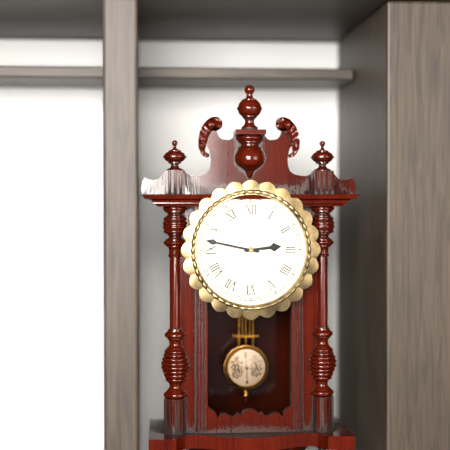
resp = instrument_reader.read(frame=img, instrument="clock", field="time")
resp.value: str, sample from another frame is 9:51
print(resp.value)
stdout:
2:47
